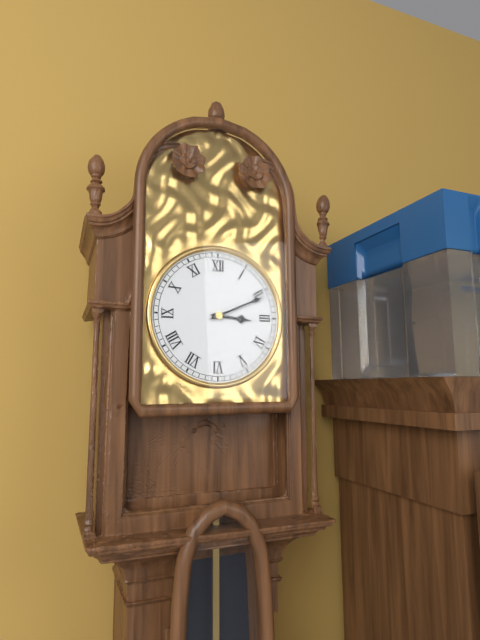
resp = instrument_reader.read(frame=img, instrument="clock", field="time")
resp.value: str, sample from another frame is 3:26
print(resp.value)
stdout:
3:11
